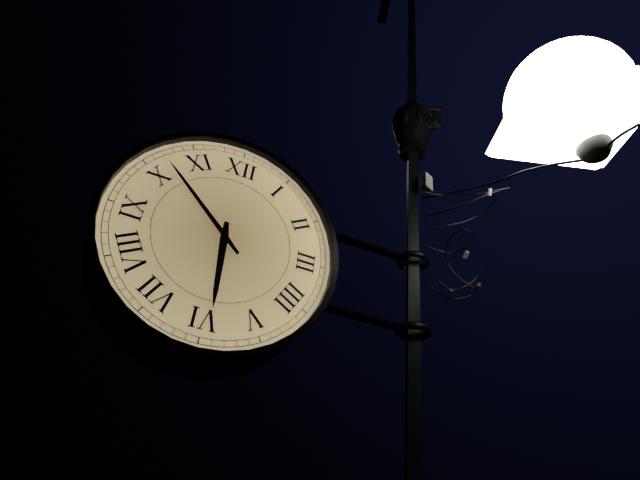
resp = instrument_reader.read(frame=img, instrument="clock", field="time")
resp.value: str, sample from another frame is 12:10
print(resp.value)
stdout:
5:52
